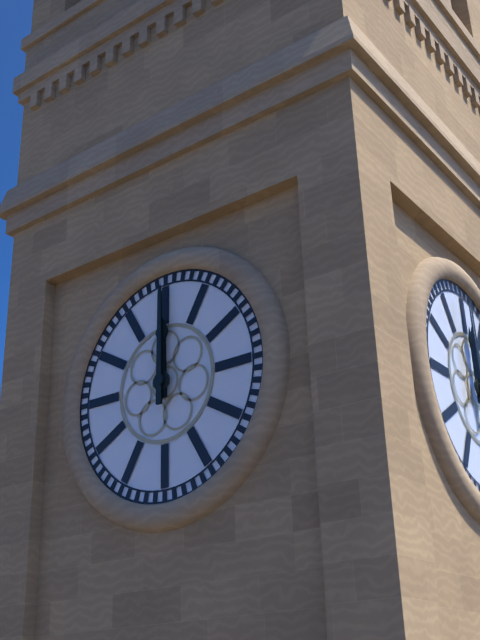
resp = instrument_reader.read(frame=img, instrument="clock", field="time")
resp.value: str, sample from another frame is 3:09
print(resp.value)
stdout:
12:00
